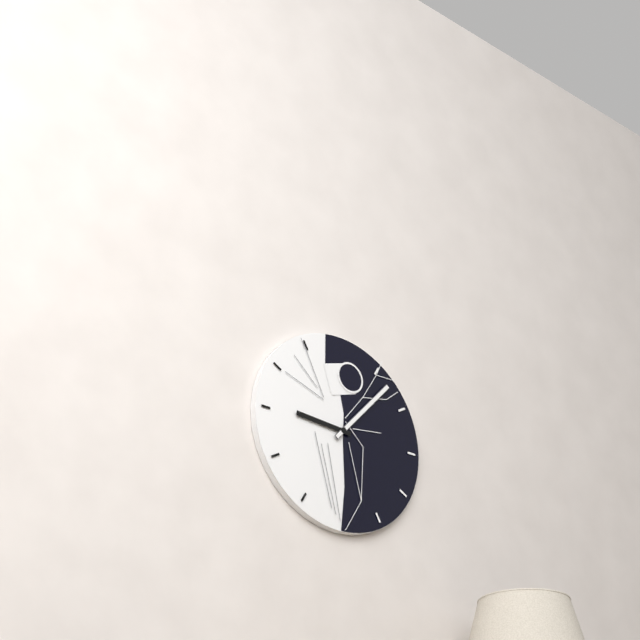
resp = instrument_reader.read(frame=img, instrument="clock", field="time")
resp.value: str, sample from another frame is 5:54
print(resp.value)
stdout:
9:07
